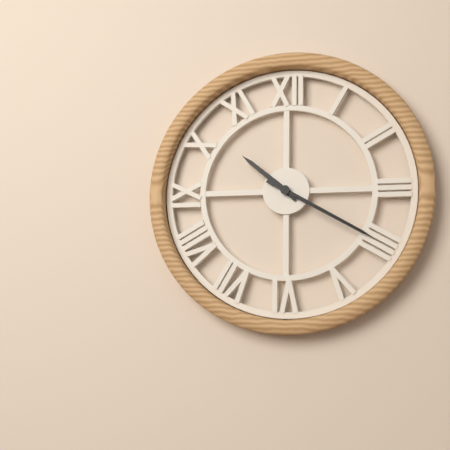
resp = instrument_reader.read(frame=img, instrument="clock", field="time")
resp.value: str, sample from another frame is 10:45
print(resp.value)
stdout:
10:20
